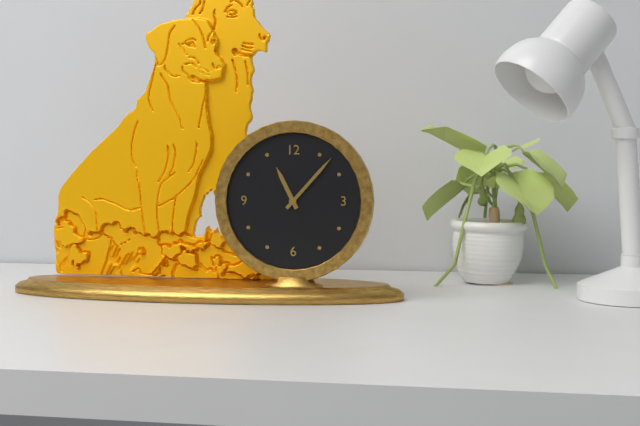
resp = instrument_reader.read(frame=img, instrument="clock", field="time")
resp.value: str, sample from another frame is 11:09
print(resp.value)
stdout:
11:07
